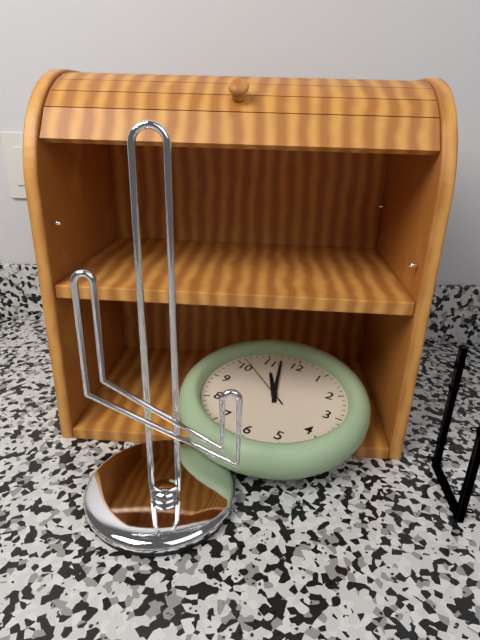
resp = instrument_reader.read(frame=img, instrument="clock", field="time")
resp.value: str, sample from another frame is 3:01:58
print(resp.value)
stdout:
10:57:51
